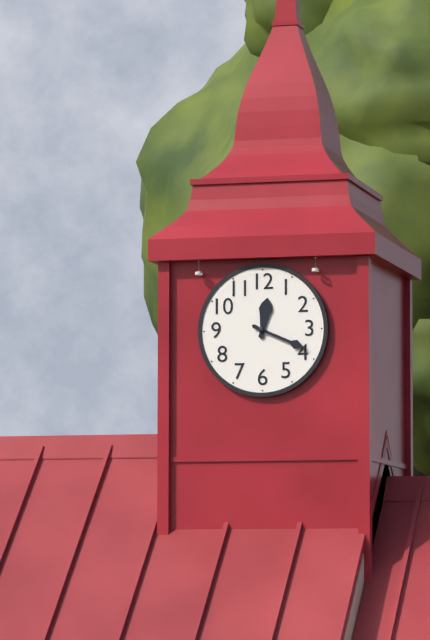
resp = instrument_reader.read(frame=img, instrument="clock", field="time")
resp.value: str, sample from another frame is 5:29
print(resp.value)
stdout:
12:19
